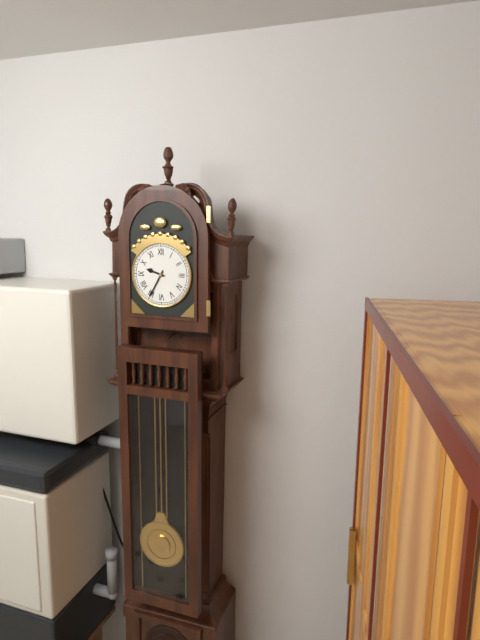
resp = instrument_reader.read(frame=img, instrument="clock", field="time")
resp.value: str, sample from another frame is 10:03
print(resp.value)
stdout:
9:35
